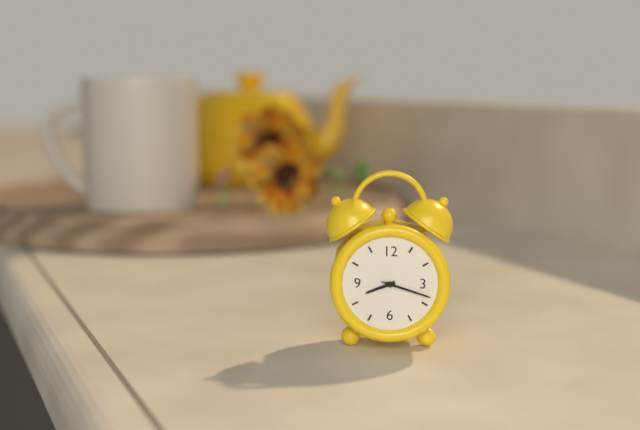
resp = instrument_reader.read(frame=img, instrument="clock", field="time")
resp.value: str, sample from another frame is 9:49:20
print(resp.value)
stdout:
8:18:18
